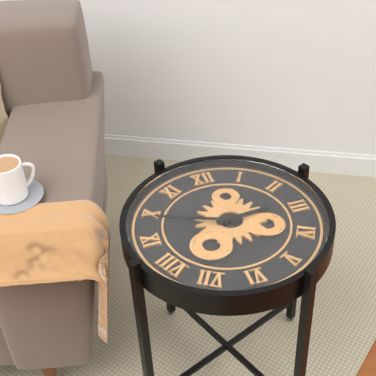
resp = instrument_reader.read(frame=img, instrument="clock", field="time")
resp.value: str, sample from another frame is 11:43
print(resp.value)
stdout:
2:49
